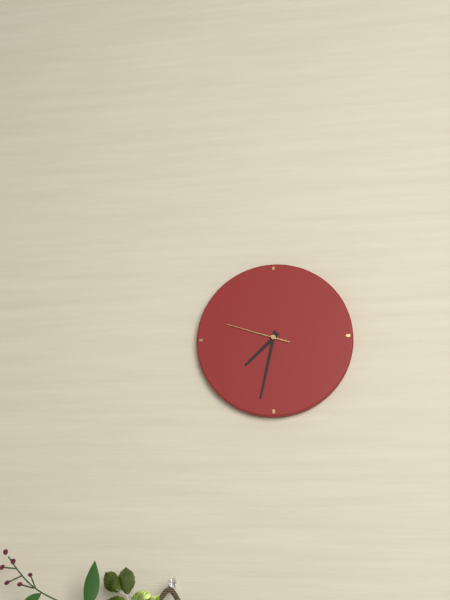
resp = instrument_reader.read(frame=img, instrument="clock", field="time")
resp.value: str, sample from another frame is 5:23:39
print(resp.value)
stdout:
7:32:48
